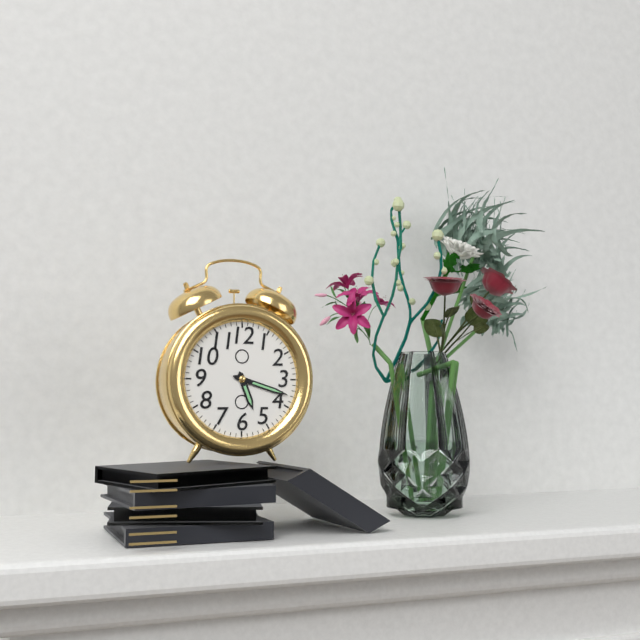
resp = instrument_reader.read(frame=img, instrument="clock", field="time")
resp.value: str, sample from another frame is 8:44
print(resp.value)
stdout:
5:18
